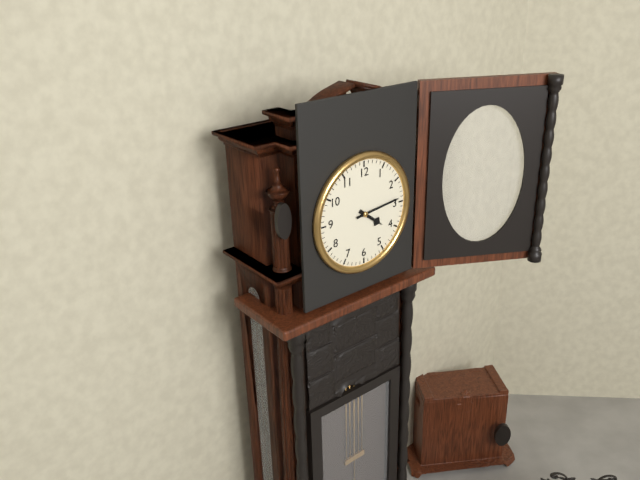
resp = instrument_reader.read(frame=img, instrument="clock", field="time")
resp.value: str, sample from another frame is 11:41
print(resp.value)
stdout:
4:14
